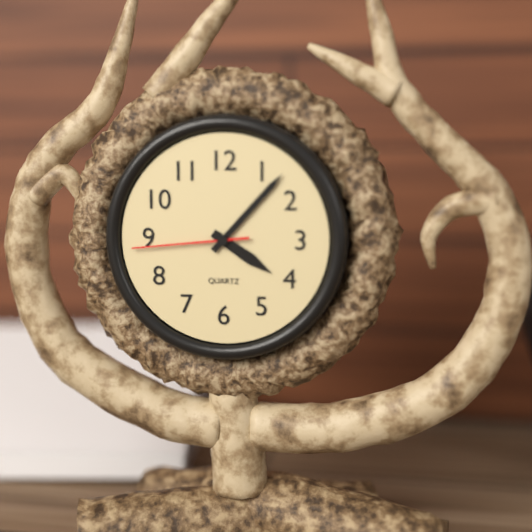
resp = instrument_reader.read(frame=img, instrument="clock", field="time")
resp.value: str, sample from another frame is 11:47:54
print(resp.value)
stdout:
4:07:44
